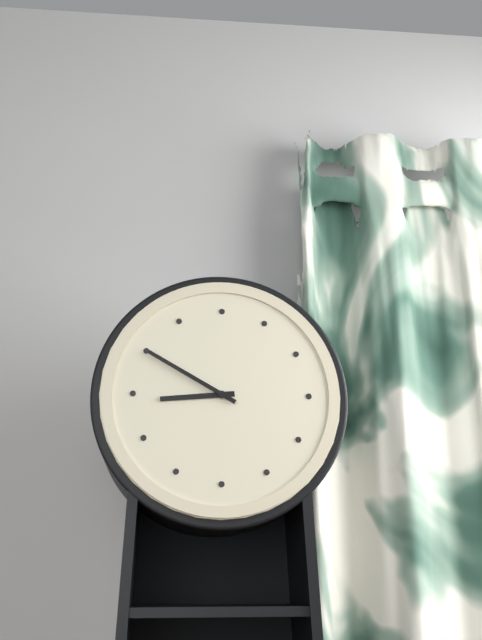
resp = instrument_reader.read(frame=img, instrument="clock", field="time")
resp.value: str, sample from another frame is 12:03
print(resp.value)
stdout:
8:50
